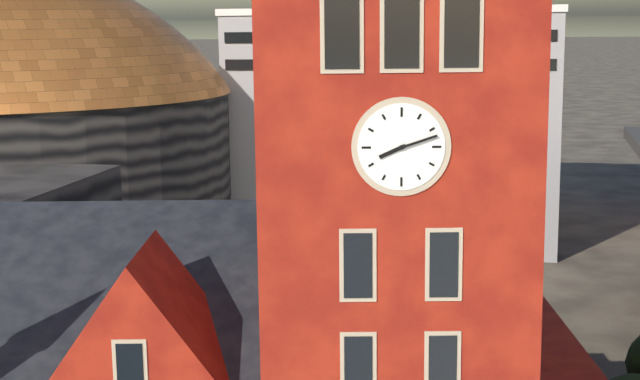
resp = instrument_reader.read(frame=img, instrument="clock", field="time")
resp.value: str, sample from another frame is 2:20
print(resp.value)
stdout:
8:12
